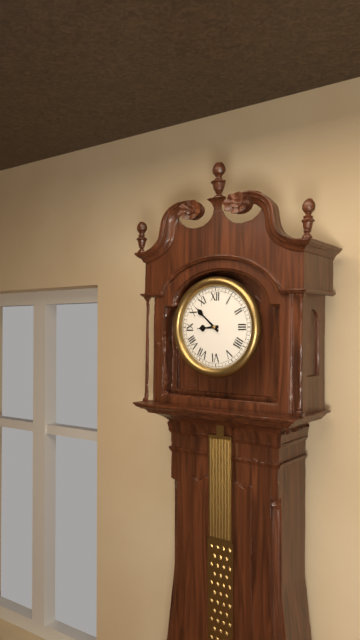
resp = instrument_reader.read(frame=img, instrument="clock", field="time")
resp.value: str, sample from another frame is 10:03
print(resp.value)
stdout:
8:52
